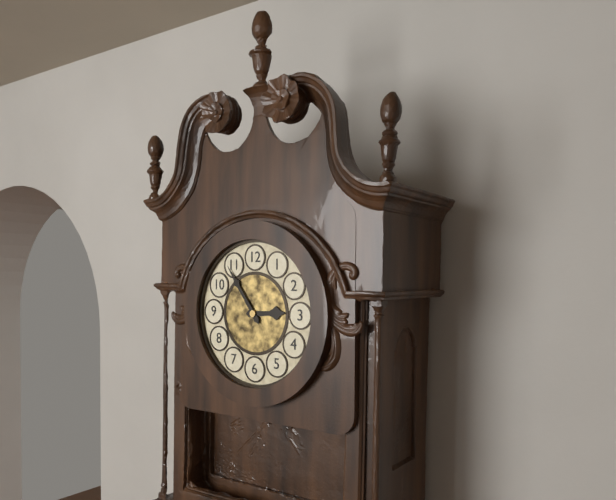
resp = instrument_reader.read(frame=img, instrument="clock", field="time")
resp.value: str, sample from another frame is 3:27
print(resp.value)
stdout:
2:54
